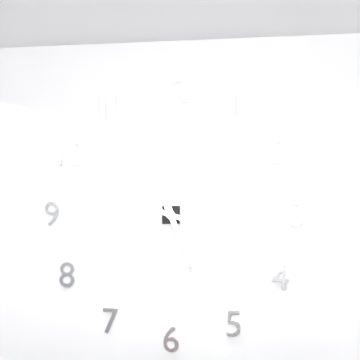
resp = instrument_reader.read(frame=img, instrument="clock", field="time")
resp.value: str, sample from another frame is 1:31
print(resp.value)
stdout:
5:18
